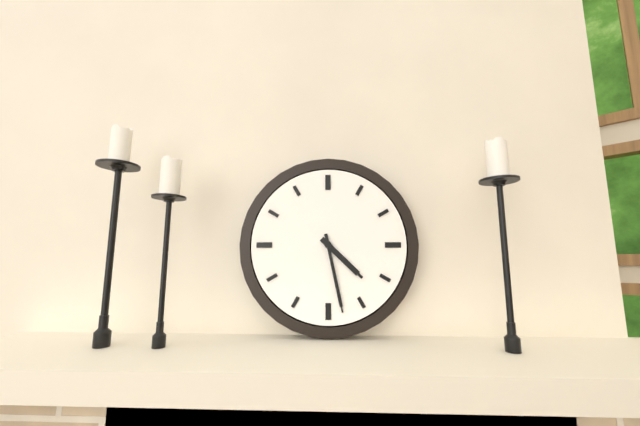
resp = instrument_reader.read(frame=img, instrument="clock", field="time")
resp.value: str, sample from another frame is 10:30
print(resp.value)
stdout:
4:28
